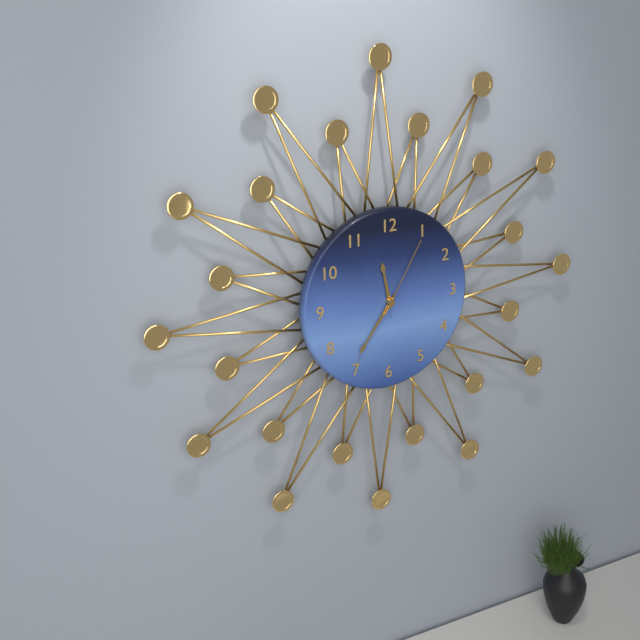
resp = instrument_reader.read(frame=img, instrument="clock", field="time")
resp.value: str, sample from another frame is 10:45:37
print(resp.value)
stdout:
11:36:05
